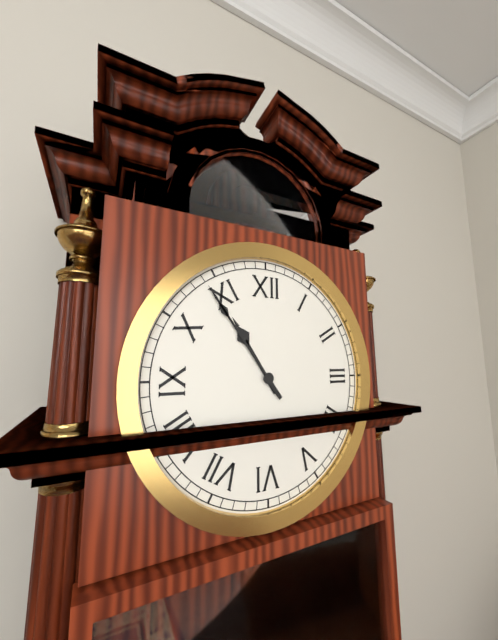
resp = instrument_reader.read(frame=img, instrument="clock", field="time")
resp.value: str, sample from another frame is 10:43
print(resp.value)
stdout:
10:54
